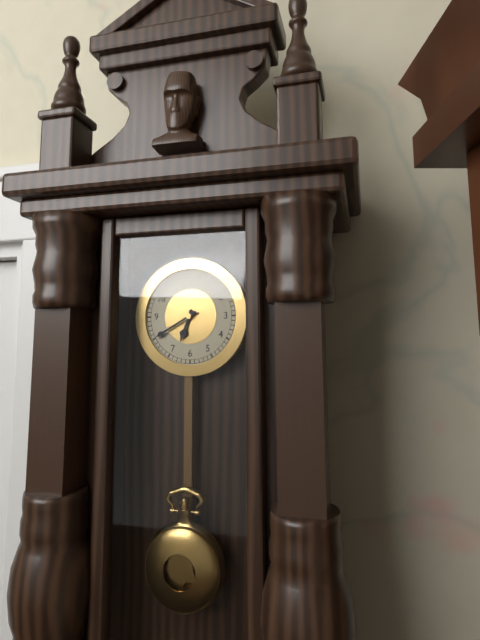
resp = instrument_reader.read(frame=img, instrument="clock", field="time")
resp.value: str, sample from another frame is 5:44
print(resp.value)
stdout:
6:40
